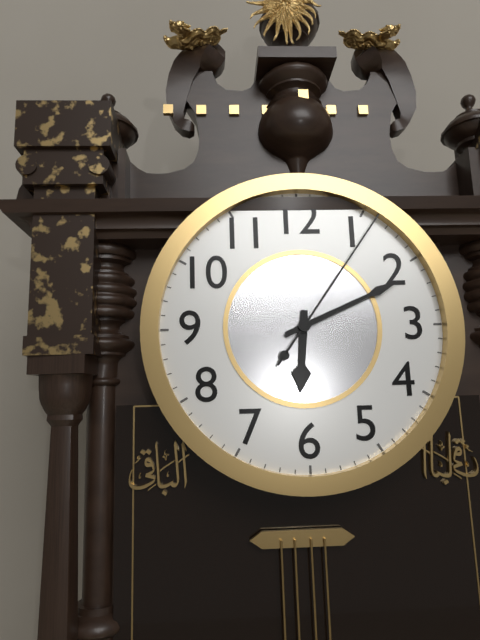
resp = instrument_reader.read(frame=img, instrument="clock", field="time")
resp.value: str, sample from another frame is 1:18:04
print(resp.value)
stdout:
6:11:06
